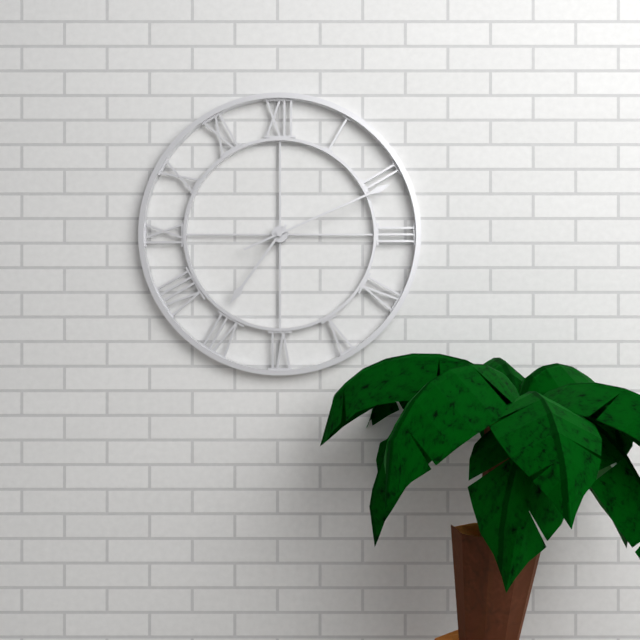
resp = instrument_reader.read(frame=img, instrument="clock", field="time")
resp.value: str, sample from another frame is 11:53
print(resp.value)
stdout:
7:11
